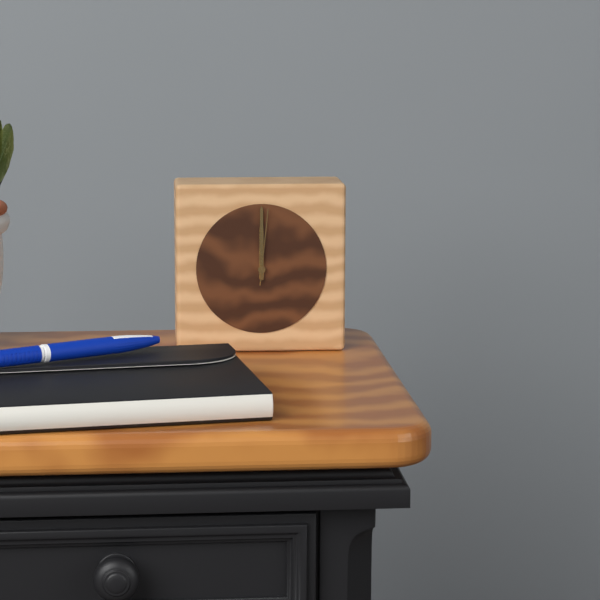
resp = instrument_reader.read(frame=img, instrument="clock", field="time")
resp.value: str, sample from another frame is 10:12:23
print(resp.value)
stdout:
12:00:01
